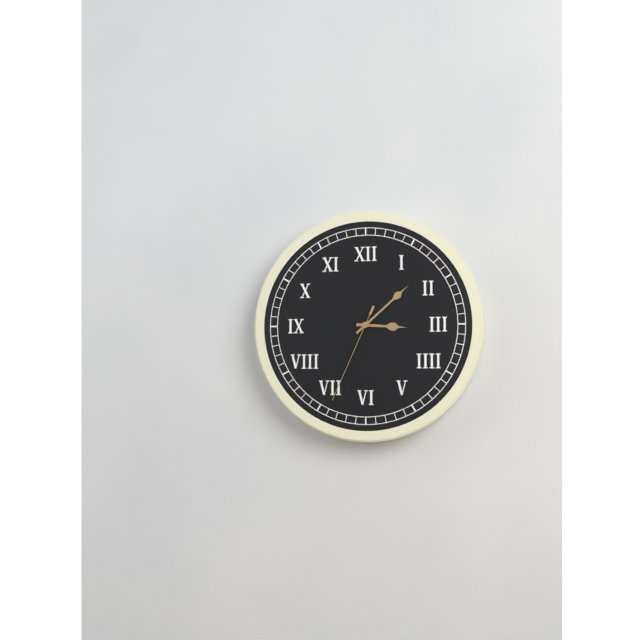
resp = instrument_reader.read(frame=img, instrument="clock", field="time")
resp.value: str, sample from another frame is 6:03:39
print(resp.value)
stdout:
3:08:34
